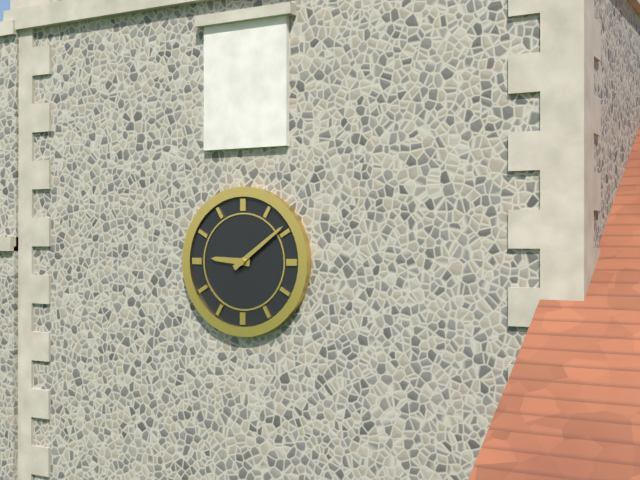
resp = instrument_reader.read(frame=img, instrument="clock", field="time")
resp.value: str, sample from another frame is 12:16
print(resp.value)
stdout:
9:09
